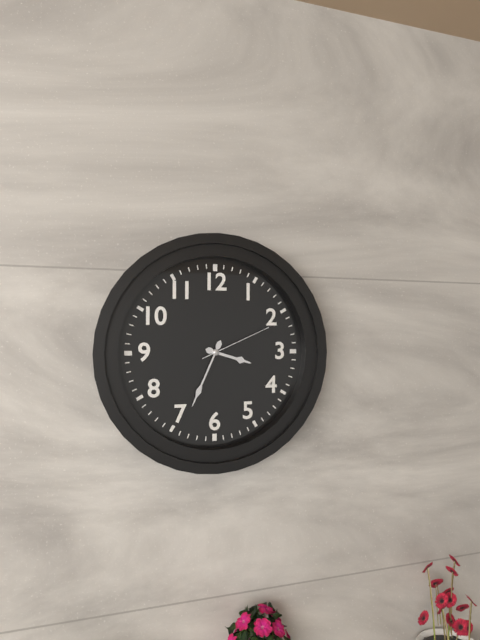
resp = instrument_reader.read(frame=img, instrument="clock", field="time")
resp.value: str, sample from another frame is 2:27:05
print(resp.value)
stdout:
3:34:11
